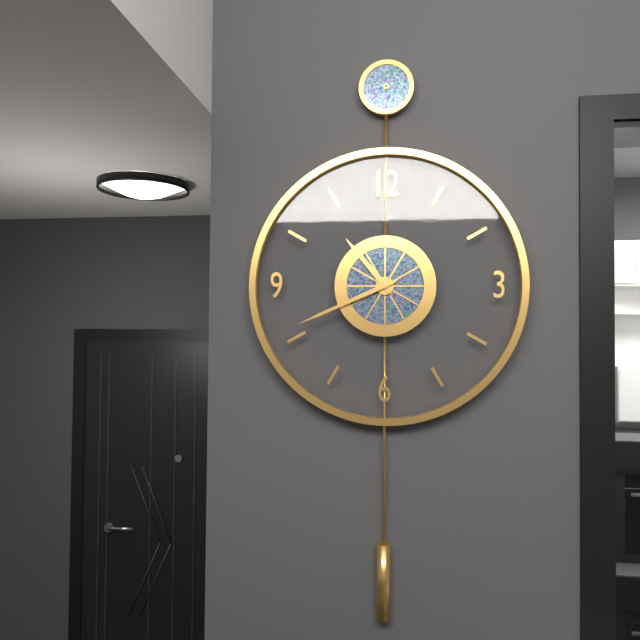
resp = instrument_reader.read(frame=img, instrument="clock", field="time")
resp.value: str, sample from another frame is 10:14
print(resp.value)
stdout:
10:41
